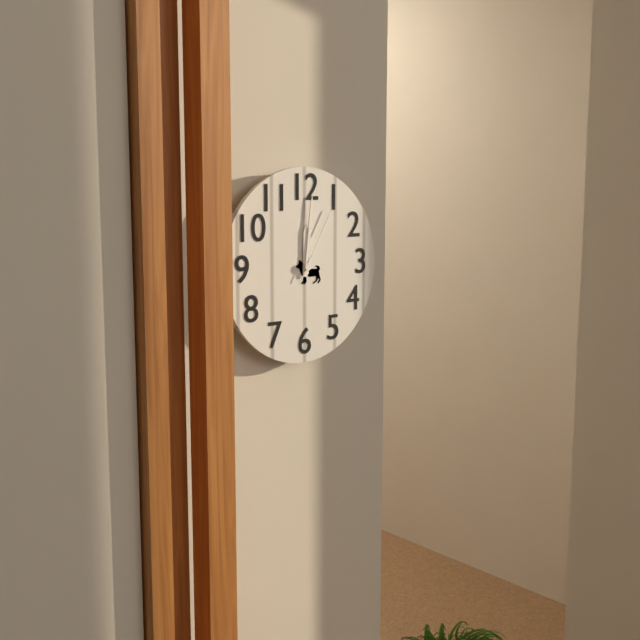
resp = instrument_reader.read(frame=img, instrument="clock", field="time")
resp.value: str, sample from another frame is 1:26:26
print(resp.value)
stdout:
12:01:05
